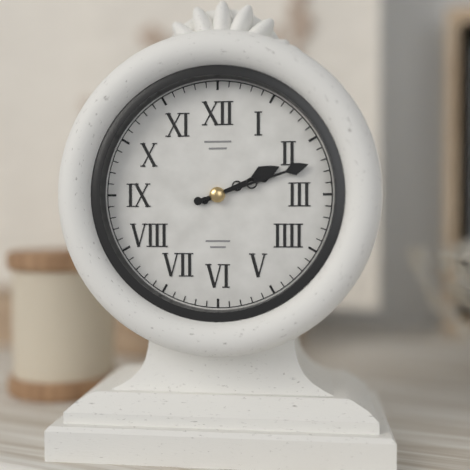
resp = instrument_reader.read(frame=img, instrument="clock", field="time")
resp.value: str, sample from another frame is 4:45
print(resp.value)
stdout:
2:12
